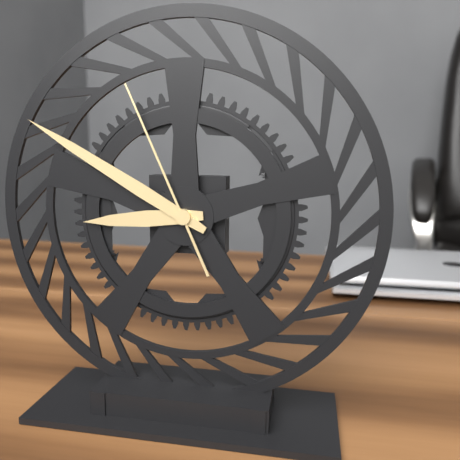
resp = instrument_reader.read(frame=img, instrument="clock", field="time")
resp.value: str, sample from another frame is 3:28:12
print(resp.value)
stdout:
8:50:56
